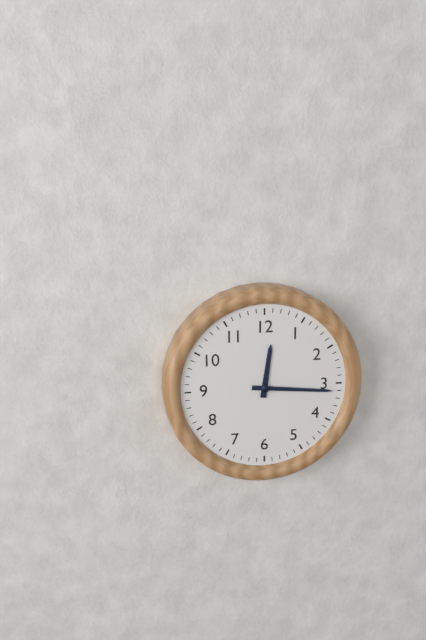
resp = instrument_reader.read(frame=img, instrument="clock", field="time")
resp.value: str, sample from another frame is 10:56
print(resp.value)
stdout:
12:16
